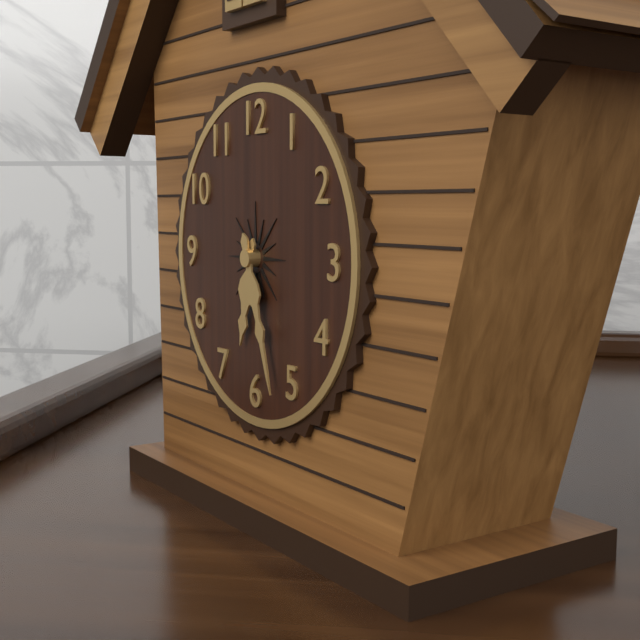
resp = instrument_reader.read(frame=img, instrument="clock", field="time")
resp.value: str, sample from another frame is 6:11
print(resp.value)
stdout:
6:27
